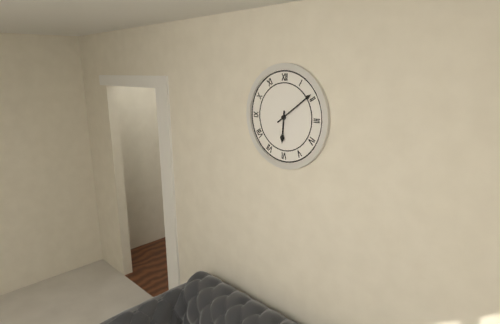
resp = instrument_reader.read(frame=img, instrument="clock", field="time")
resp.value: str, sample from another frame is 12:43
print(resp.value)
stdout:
6:09
